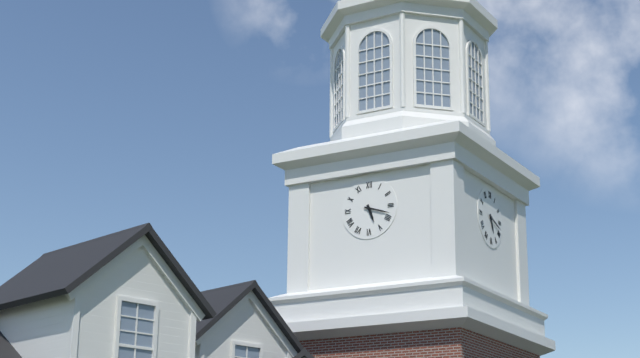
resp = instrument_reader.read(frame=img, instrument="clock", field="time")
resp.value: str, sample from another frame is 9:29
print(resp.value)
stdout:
5:18
